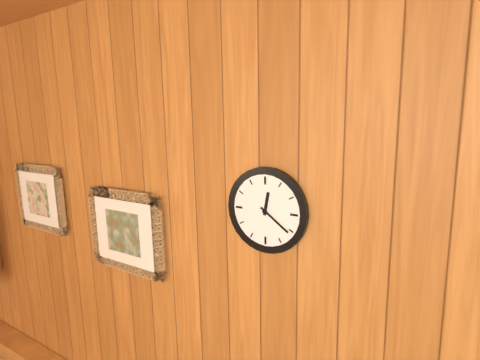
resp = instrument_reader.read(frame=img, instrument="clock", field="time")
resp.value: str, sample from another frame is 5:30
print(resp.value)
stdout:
12:21
